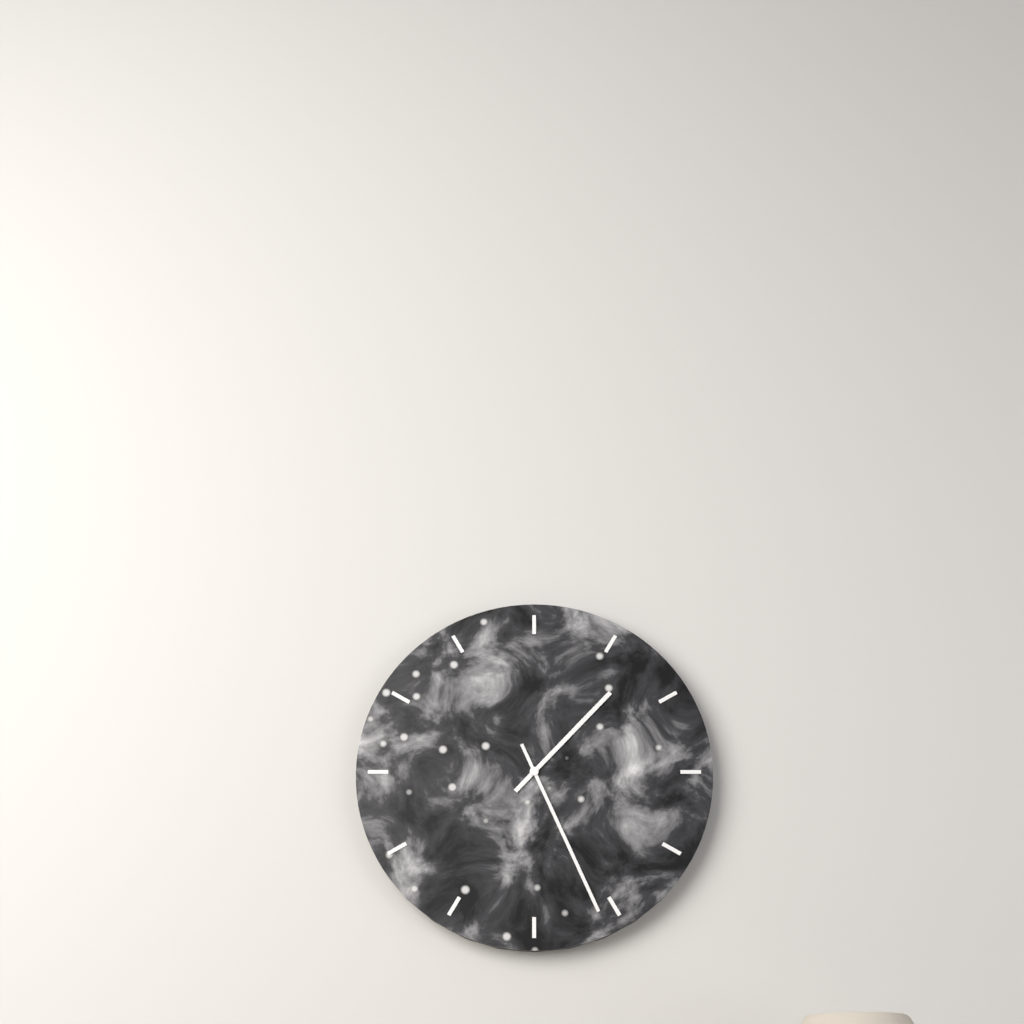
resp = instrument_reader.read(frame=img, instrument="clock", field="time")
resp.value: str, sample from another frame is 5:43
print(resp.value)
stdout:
1:26
